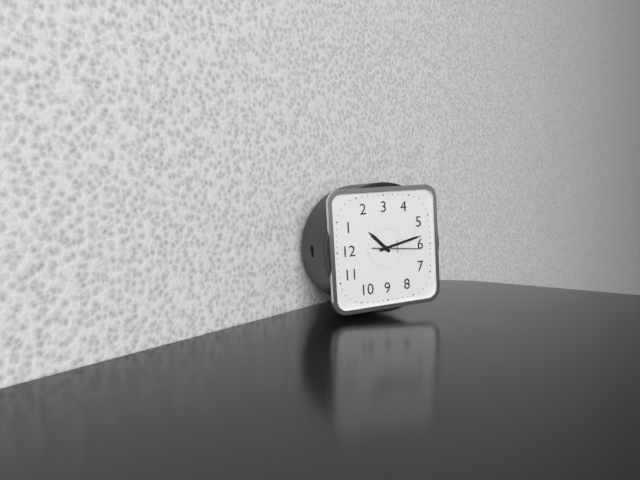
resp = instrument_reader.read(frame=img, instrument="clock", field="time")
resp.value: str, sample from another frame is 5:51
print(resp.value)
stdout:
1:28
